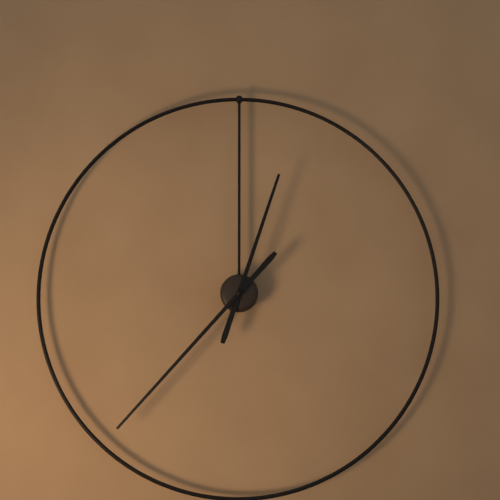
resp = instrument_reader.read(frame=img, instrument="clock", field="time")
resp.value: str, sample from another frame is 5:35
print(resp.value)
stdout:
12:37
